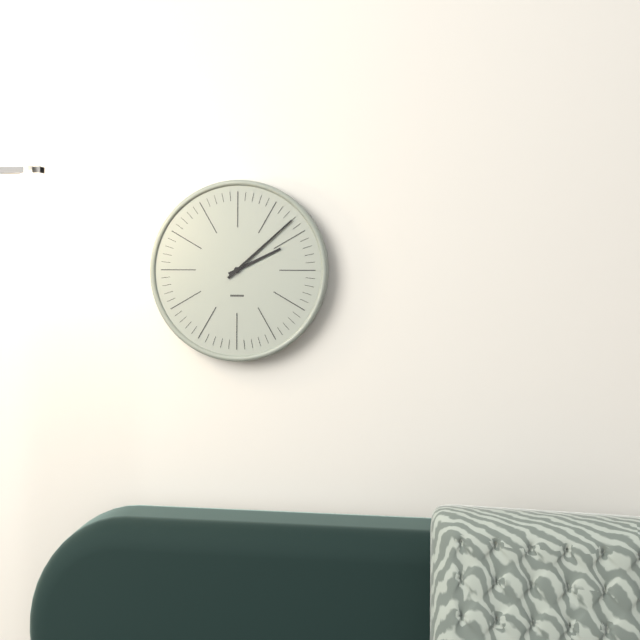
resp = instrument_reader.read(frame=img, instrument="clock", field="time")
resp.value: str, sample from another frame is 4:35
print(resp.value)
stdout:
2:08
